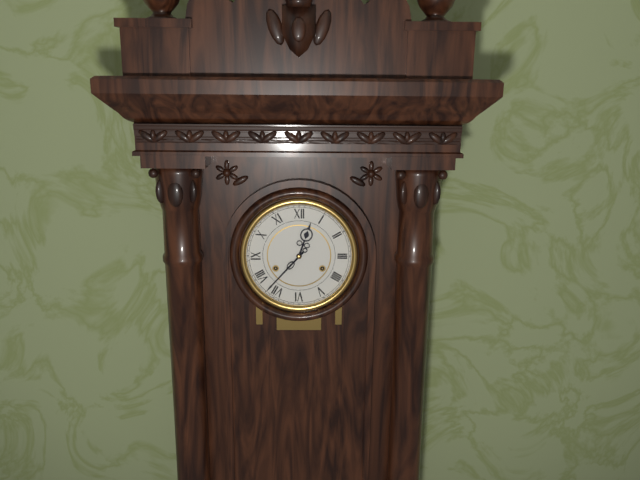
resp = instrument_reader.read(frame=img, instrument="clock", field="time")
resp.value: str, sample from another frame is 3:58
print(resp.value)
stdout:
12:37
